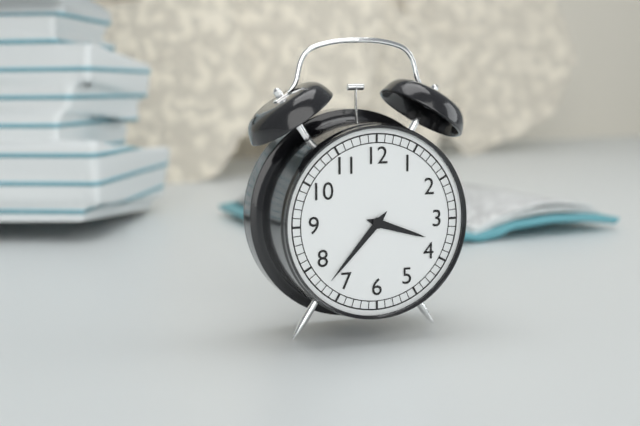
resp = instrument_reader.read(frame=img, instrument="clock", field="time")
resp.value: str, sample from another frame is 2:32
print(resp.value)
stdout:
3:37
